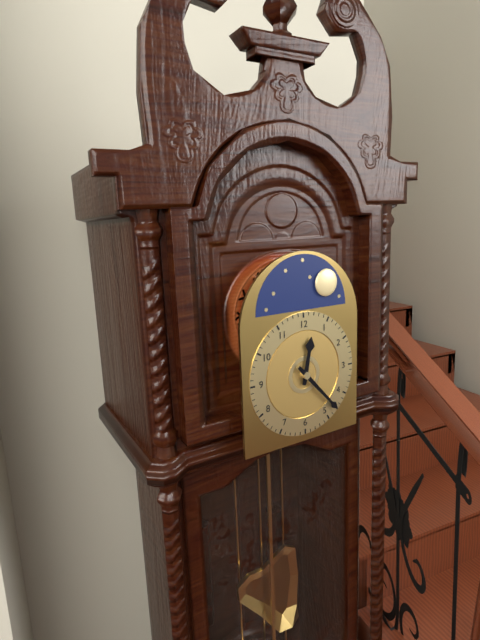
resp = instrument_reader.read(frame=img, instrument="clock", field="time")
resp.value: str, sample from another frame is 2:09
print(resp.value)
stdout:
12:23
